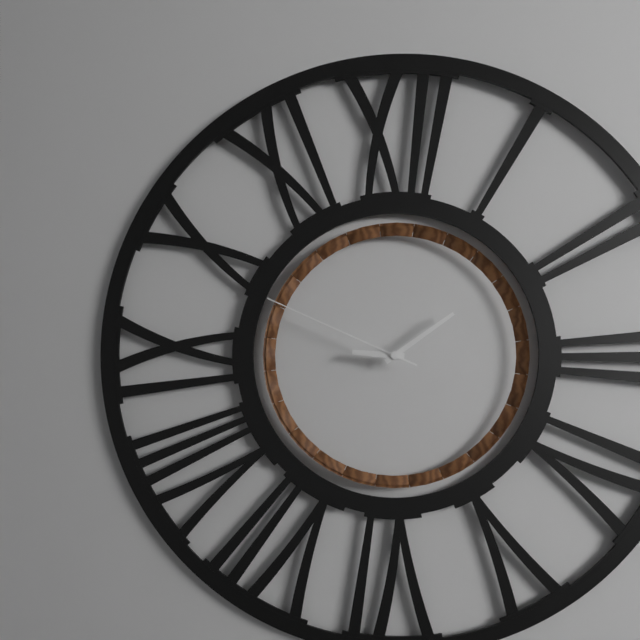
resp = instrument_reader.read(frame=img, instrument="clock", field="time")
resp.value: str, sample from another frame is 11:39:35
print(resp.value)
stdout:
9:09:49
